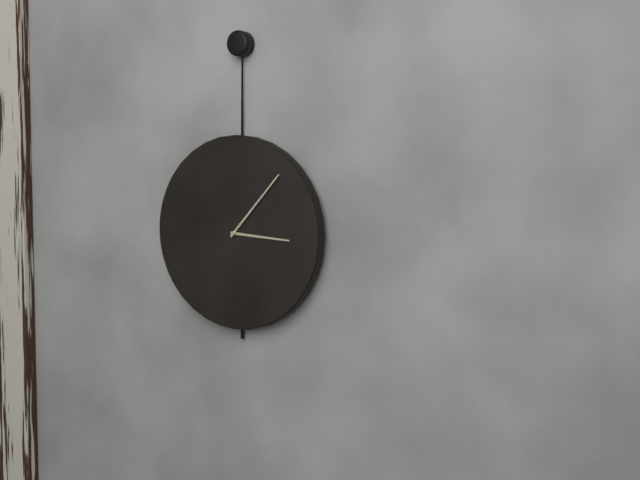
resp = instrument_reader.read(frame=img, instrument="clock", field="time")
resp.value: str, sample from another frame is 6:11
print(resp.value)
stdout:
3:07
